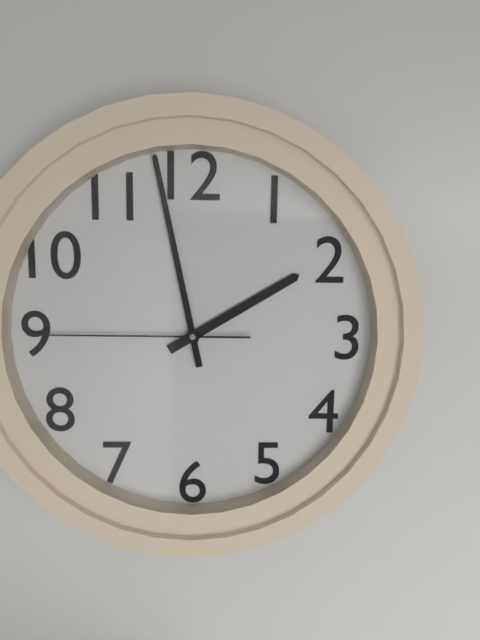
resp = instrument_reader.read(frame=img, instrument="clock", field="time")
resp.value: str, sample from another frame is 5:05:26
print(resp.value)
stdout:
1:58:45
